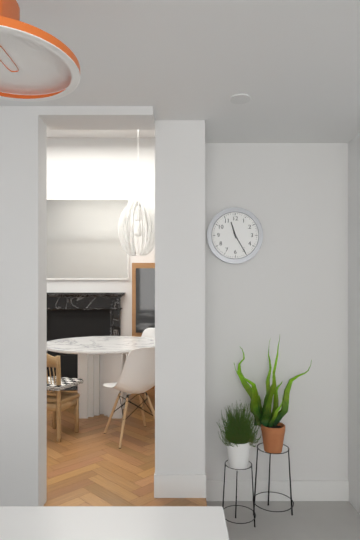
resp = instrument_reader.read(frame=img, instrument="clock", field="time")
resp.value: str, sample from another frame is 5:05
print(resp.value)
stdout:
11:25
